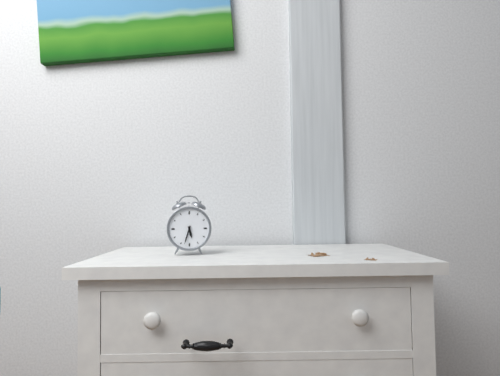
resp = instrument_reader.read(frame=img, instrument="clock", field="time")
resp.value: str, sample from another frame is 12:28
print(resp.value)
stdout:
5:33
